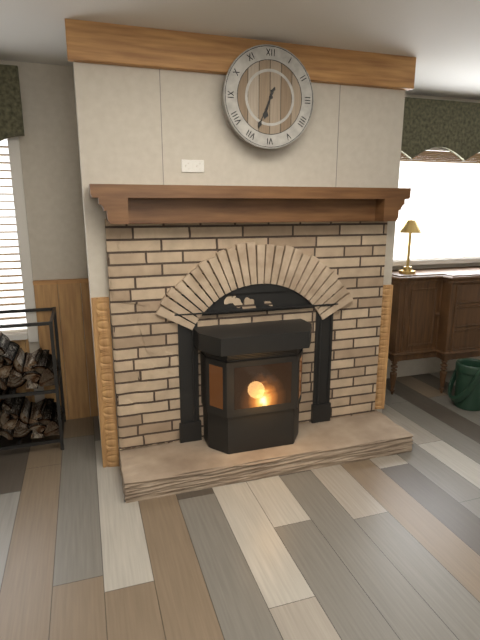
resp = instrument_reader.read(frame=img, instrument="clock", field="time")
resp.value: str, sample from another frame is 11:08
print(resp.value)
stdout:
6:34
